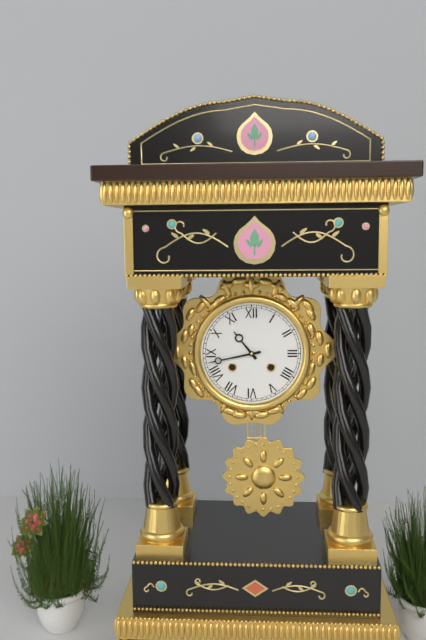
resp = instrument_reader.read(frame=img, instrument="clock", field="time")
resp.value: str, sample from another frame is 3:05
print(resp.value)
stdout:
10:43
